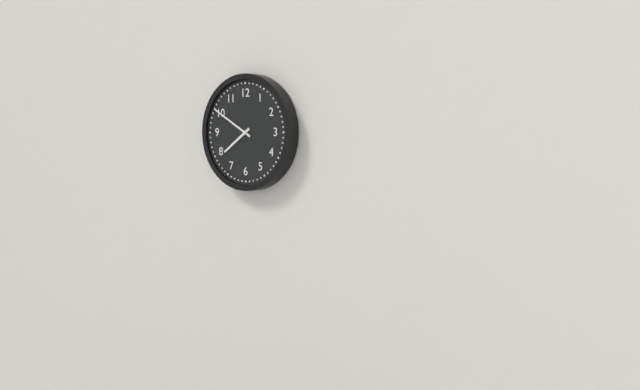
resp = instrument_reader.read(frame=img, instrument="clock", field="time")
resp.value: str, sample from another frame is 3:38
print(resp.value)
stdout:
7:50
